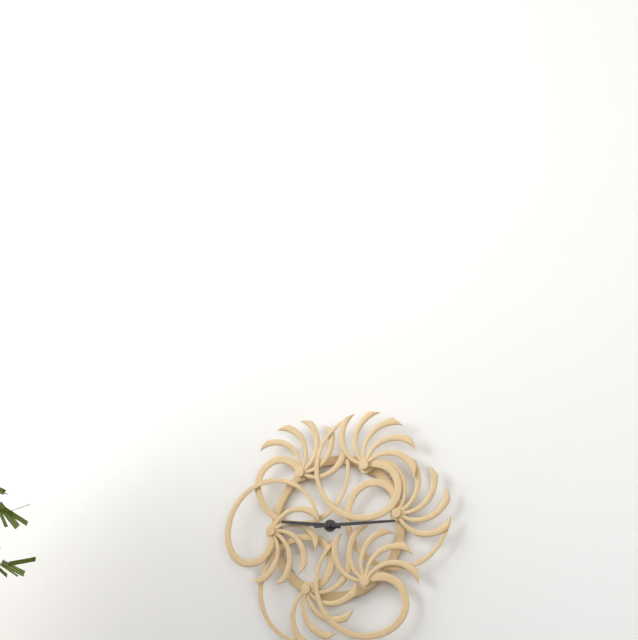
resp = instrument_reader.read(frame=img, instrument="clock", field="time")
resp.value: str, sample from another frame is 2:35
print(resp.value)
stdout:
9:15
